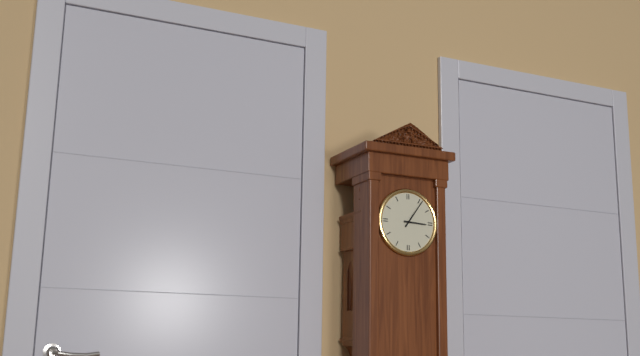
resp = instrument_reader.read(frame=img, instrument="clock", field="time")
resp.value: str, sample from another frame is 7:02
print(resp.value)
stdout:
3:06
